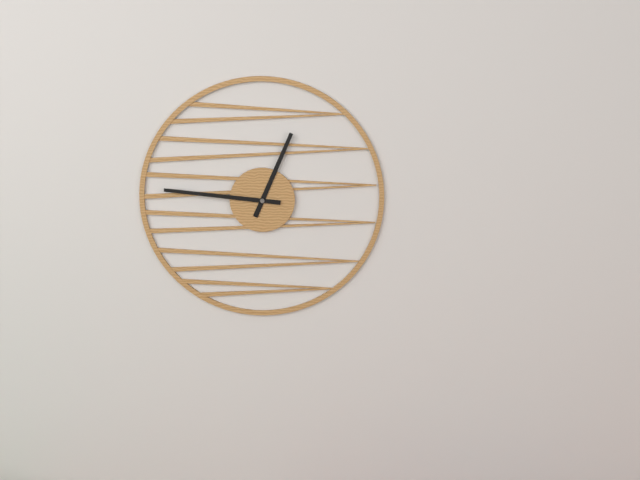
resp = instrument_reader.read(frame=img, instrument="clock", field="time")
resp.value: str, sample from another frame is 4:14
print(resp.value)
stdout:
12:46
